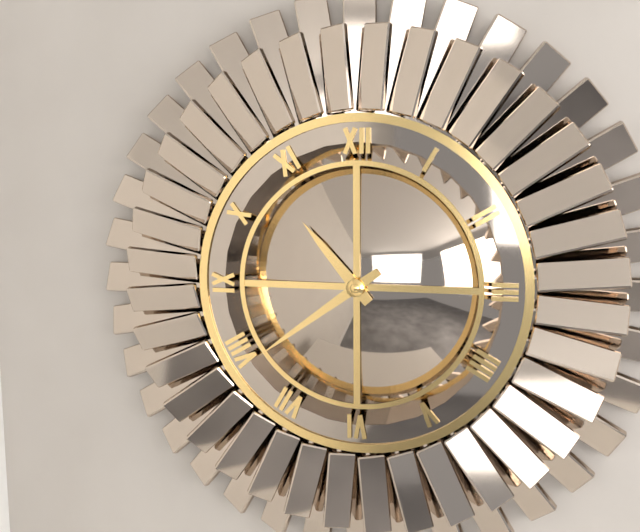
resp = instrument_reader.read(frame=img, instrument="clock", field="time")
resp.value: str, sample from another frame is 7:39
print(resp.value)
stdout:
10:39
